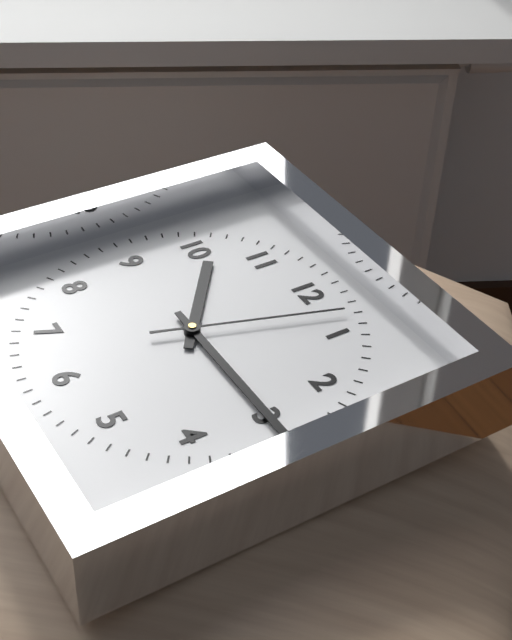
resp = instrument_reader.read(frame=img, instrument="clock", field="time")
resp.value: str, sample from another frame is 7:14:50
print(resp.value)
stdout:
10:15:03
